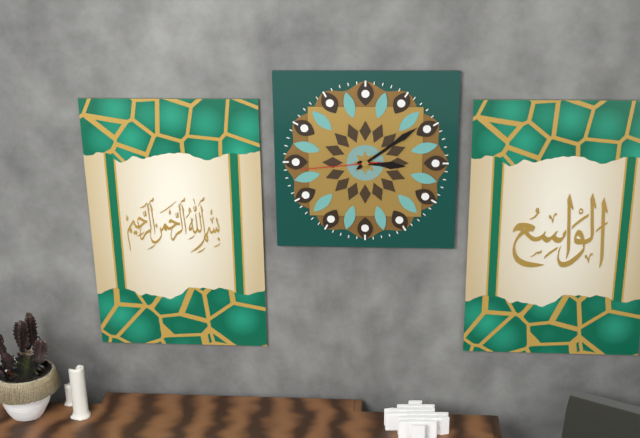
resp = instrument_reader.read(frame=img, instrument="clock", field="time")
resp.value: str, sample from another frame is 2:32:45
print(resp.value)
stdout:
3:09:44
